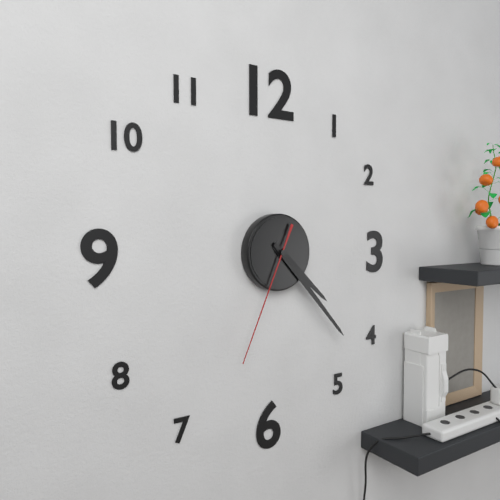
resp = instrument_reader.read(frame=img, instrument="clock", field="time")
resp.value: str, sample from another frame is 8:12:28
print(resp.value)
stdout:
4:23:34
